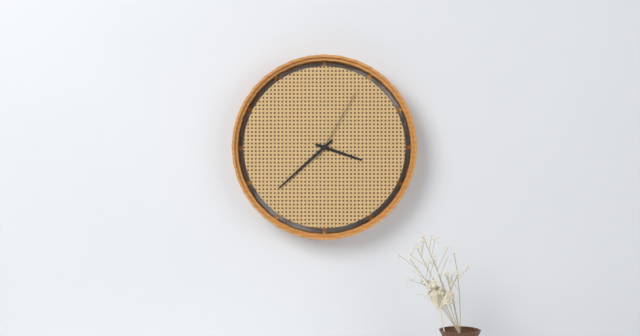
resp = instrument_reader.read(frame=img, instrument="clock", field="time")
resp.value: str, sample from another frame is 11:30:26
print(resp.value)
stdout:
3:38:05
